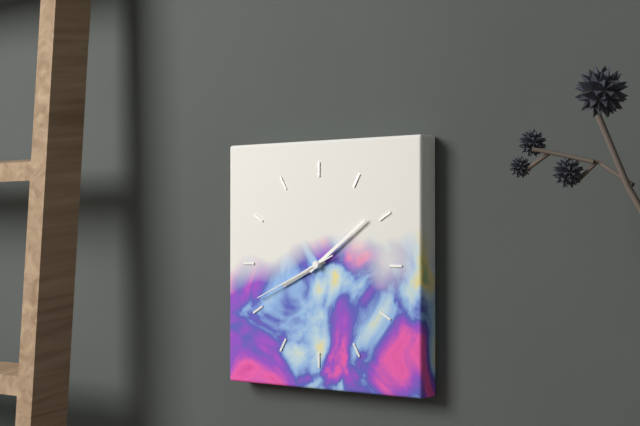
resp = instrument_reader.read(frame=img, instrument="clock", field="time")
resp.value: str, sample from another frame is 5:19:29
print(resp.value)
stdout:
8:09:41
